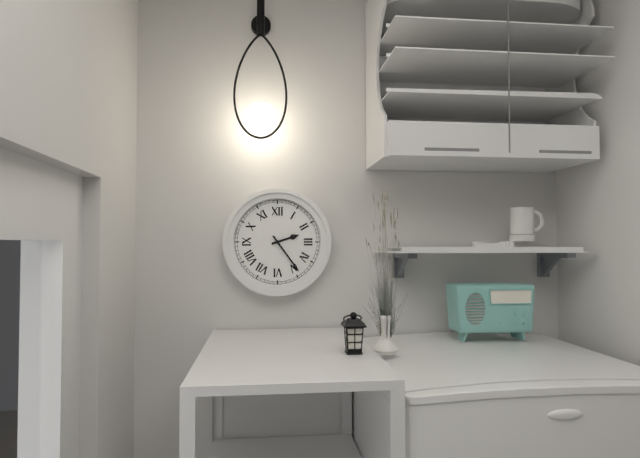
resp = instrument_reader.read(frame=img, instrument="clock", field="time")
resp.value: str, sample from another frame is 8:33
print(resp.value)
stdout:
2:24
